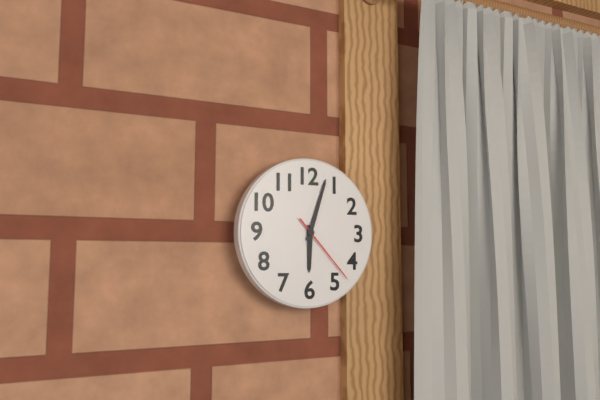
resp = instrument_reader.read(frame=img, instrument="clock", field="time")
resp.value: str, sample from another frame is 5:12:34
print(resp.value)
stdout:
6:03:23
